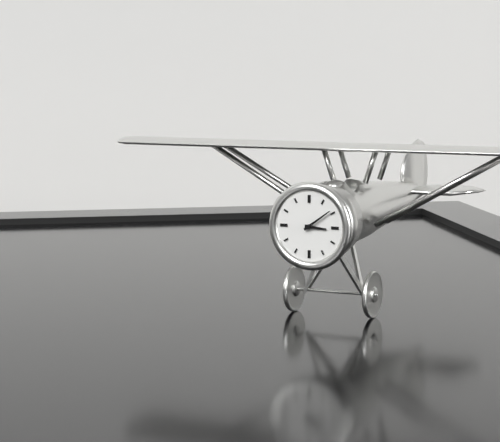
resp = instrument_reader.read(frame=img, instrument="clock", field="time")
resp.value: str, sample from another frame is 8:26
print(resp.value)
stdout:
3:09
